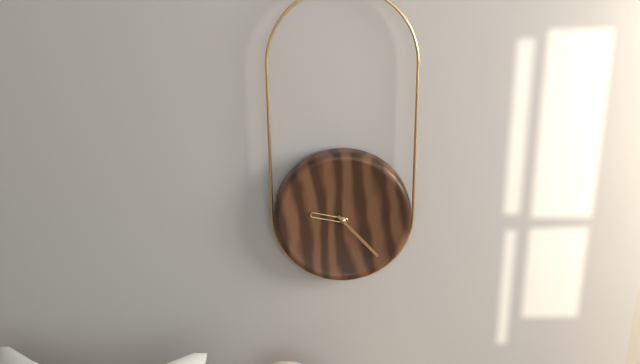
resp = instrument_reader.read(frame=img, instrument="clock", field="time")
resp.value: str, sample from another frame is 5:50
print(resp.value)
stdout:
9:23
